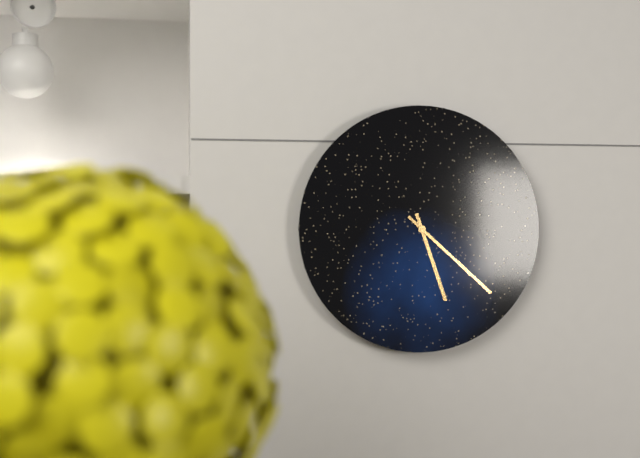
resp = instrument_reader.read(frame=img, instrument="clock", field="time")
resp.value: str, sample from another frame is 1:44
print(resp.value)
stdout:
5:22
